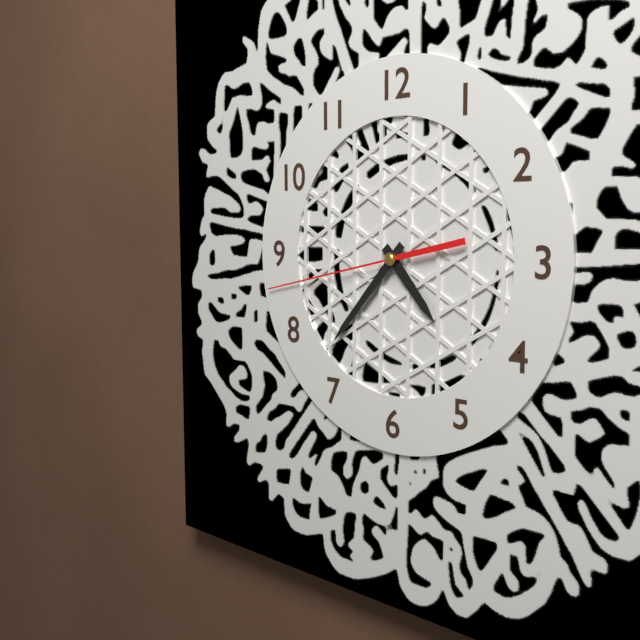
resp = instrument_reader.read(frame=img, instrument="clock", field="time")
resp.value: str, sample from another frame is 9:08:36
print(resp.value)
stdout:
4:37:43
